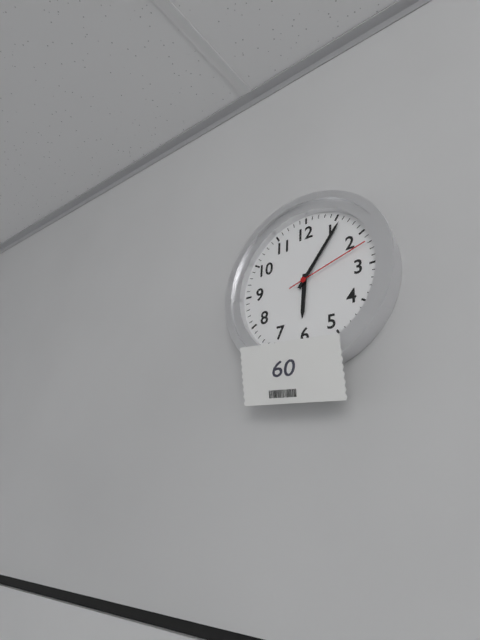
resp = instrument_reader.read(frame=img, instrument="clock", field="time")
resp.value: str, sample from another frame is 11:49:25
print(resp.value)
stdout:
6:06:12
